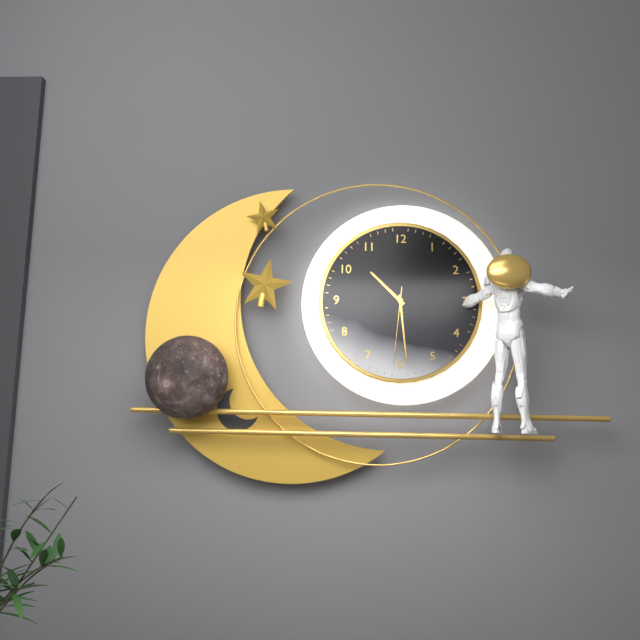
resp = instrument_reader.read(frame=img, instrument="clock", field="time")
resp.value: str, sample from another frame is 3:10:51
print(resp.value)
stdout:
10:29:31
